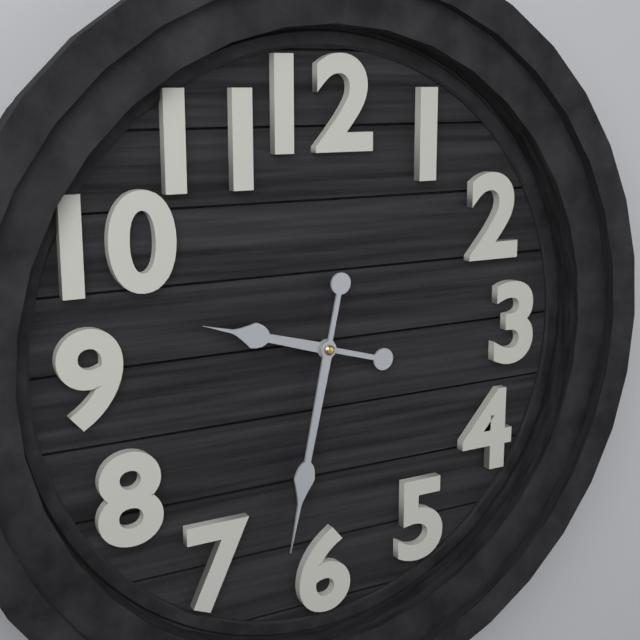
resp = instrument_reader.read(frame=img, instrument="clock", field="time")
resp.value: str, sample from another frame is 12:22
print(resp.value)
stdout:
9:32
